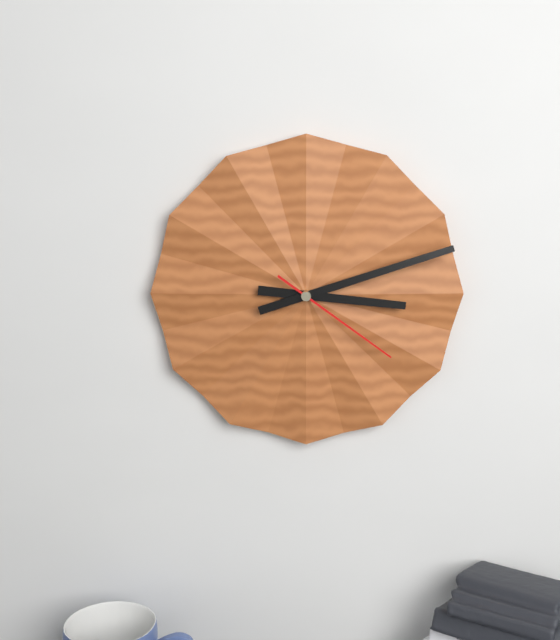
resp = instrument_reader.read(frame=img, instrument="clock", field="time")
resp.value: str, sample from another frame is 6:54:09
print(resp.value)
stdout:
3:12:21
